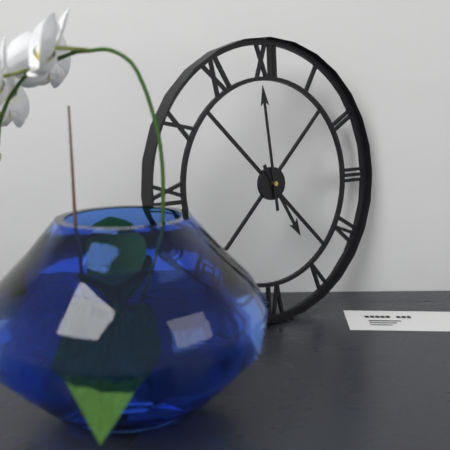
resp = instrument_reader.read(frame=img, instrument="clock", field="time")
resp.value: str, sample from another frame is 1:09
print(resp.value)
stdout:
4:59
